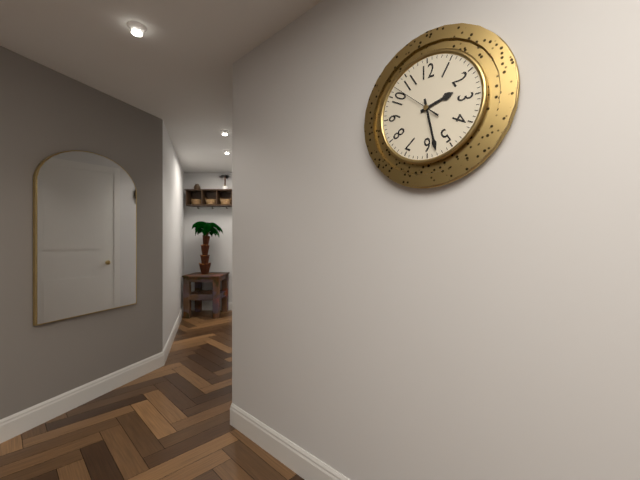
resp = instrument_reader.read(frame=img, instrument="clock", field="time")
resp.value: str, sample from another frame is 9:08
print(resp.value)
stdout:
2:28
